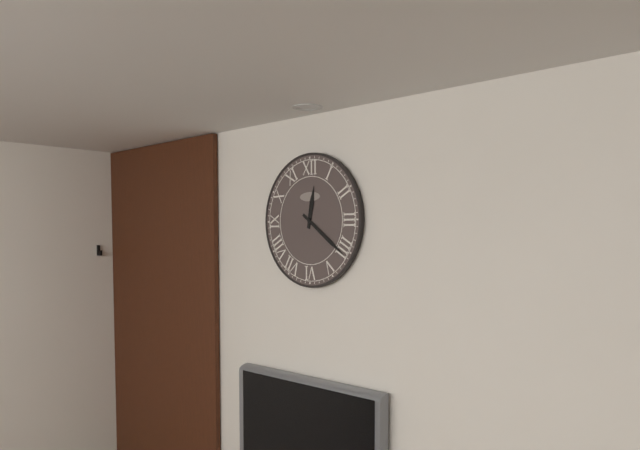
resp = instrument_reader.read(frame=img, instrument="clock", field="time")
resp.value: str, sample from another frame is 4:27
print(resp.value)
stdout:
12:21
